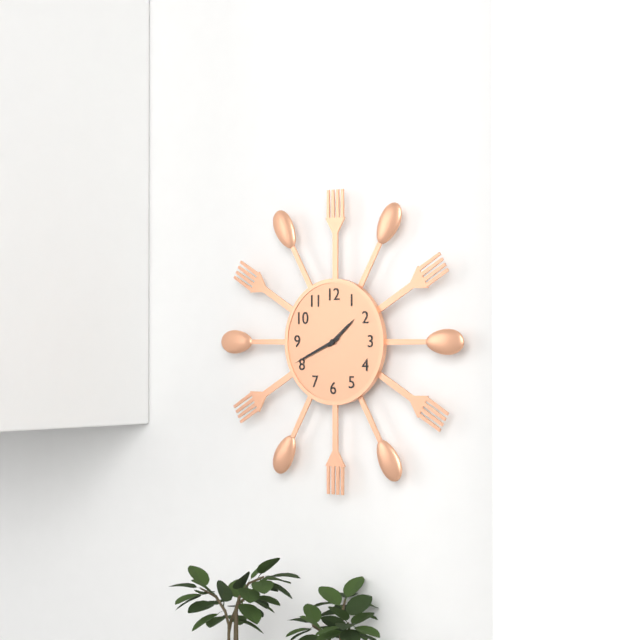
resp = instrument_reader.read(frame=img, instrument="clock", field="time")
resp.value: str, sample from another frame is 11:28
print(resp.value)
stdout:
1:41
